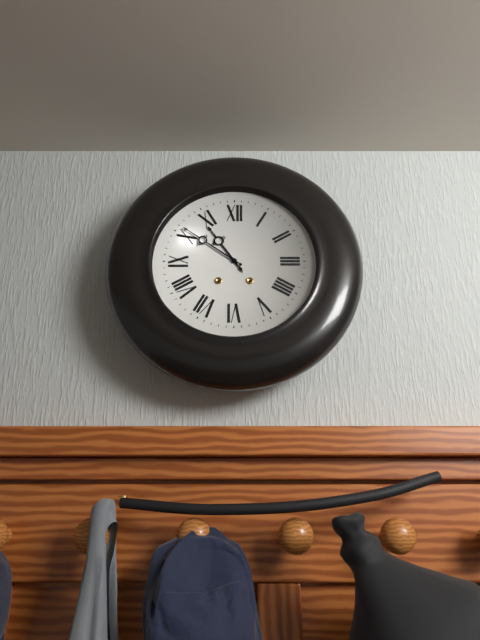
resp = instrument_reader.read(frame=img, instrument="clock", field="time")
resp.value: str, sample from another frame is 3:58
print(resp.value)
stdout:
10:51
